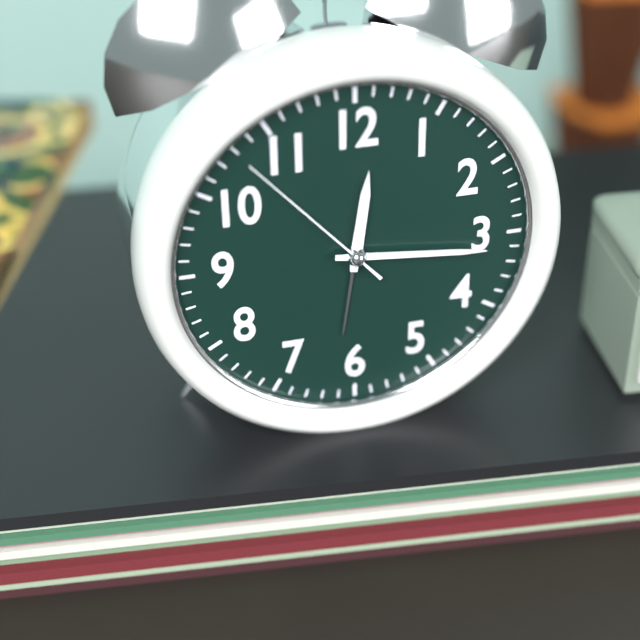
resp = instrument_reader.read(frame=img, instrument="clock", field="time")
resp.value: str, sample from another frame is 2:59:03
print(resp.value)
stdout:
12:16:53
